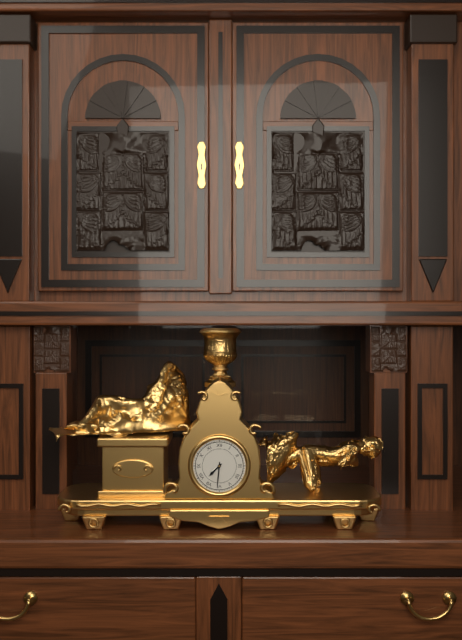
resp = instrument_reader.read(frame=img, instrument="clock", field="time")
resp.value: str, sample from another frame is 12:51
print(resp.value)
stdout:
7:31
